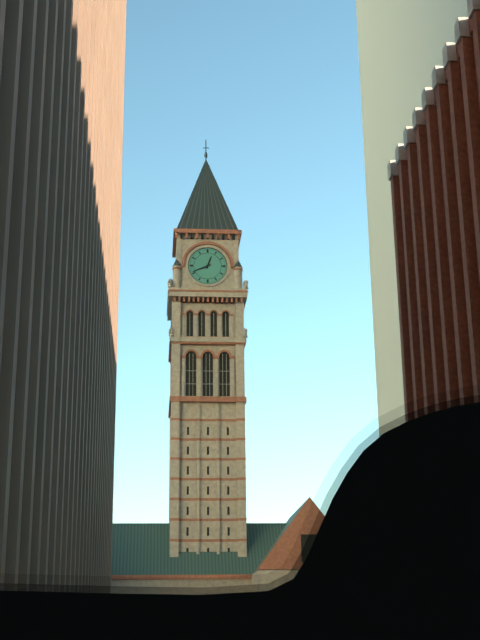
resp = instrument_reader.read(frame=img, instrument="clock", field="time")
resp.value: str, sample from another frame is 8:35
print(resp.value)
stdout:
12:41
